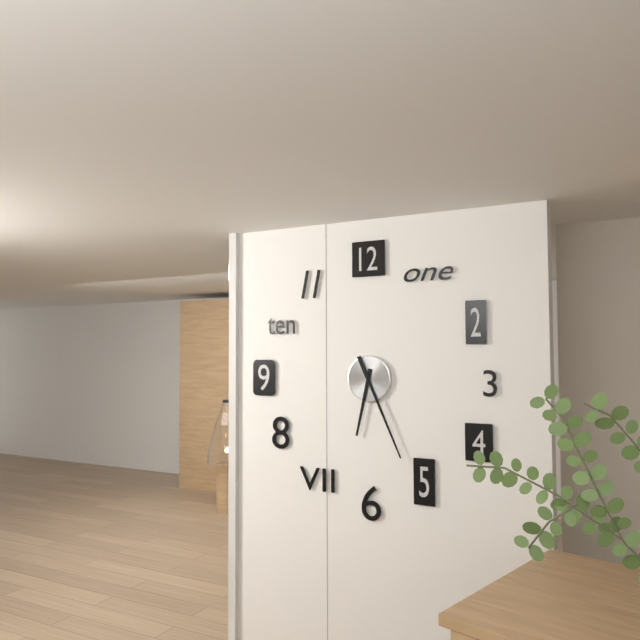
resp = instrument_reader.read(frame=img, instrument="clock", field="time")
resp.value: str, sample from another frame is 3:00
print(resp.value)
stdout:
6:26
